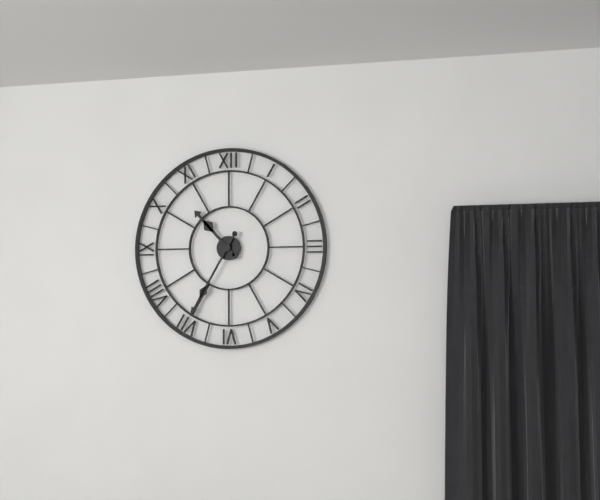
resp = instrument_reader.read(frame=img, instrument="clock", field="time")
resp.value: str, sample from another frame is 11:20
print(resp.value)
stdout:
10:35
